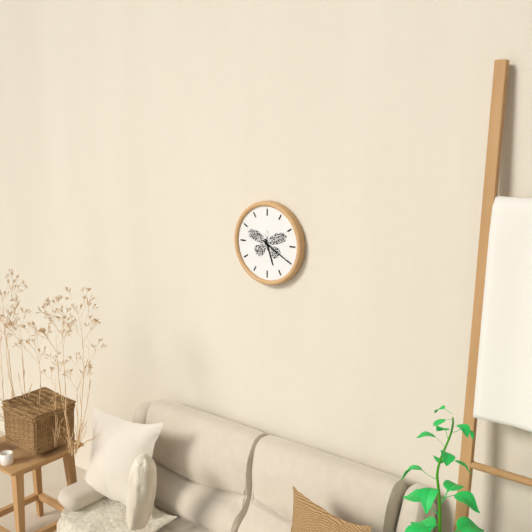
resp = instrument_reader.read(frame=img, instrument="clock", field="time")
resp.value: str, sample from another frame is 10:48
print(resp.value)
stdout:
5:20
